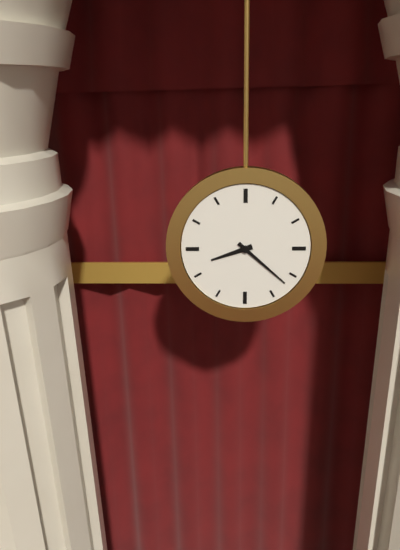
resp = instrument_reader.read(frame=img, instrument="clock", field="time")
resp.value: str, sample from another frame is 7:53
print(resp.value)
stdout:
8:22
